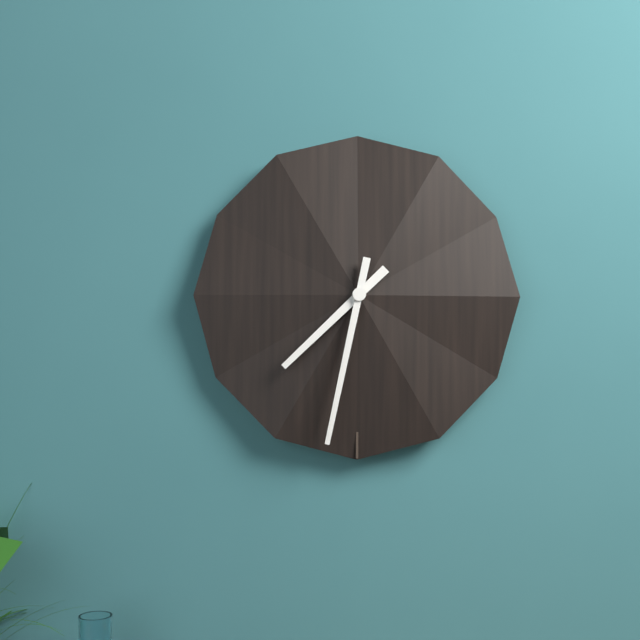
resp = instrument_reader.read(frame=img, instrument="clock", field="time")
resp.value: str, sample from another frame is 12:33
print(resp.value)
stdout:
7:32
